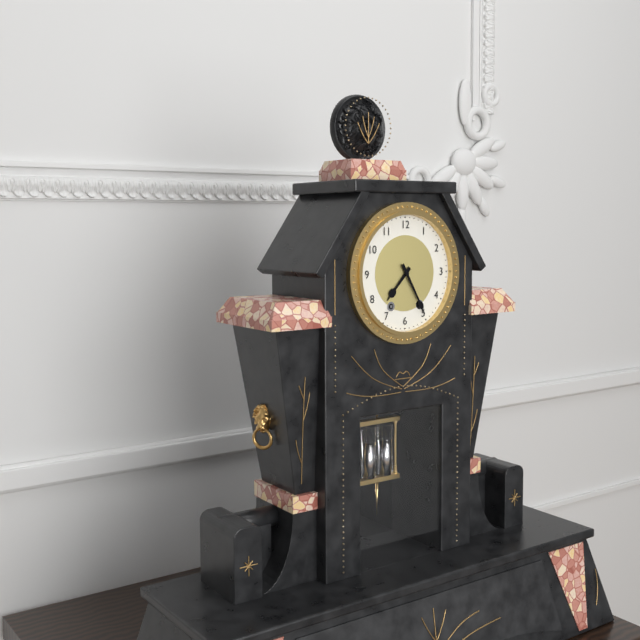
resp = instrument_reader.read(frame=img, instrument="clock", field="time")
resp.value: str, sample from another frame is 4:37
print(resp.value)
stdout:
7:25
